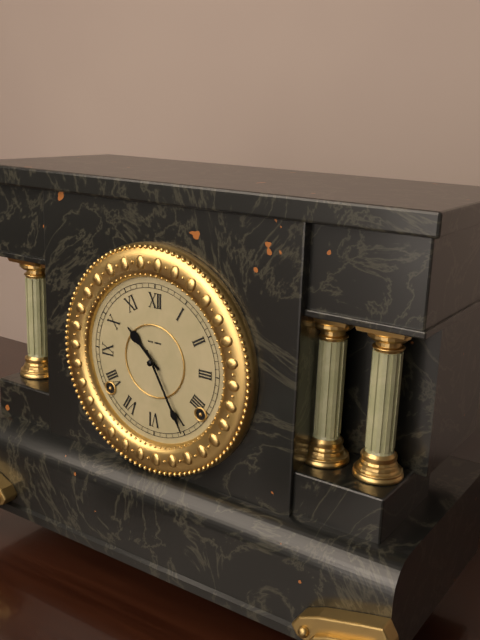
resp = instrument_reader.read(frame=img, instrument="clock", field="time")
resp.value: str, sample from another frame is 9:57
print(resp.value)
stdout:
10:25
